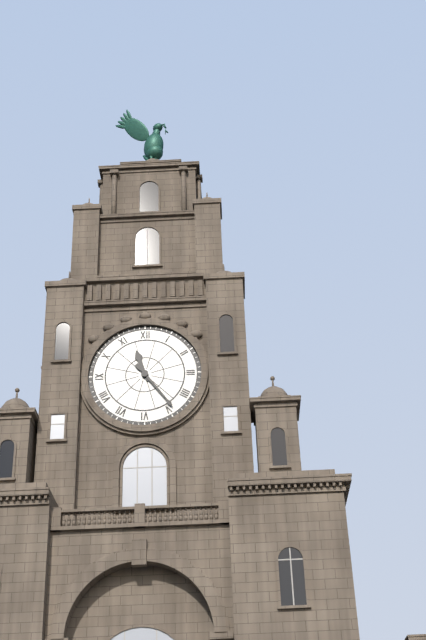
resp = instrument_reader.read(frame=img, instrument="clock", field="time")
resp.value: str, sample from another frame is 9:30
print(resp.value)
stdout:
11:24
